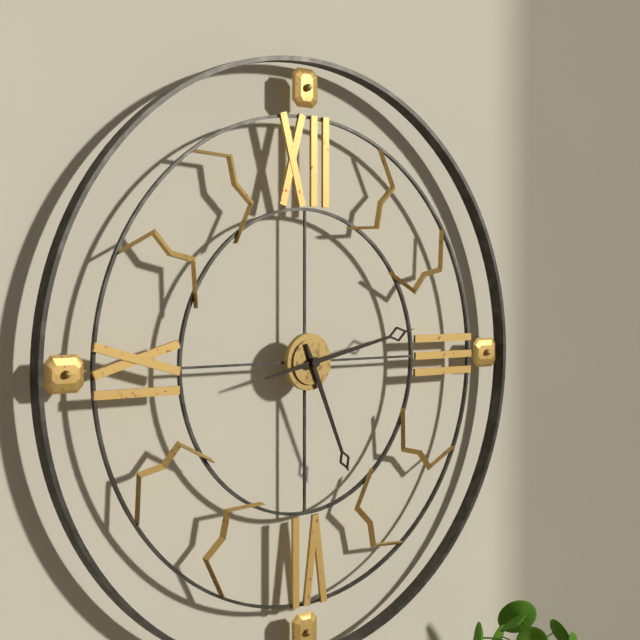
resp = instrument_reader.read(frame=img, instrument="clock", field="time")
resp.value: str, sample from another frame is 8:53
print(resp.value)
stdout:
5:13
